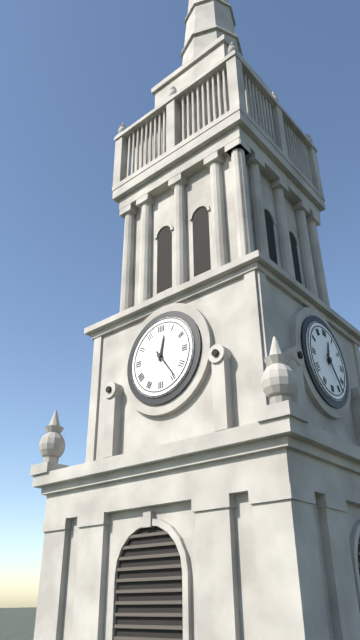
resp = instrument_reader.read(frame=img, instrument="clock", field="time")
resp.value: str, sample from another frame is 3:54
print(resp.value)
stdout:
12:24
